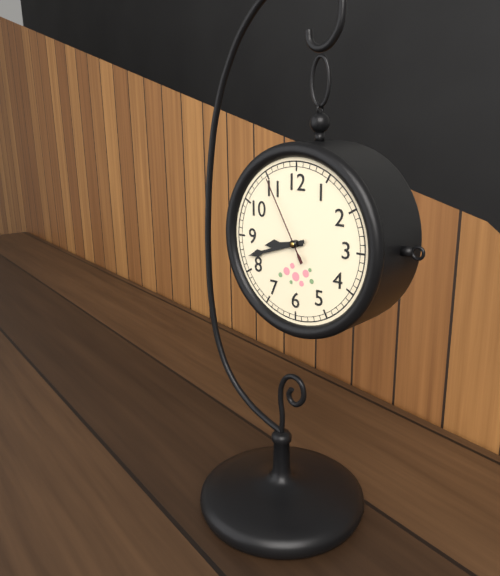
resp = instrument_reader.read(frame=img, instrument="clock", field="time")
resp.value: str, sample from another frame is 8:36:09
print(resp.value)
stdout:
8:42:55
